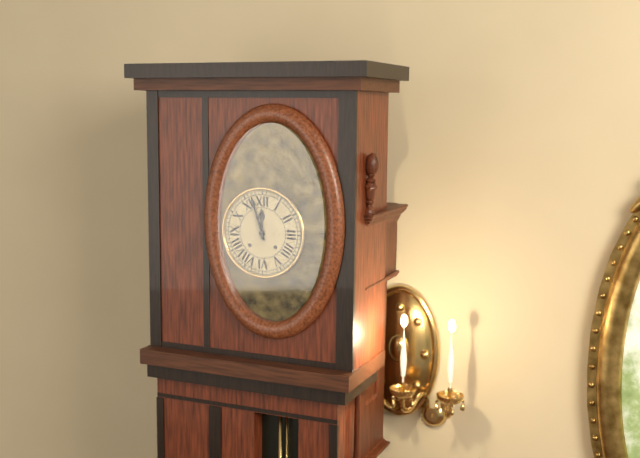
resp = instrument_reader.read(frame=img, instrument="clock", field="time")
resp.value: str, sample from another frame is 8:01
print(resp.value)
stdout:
11:57
